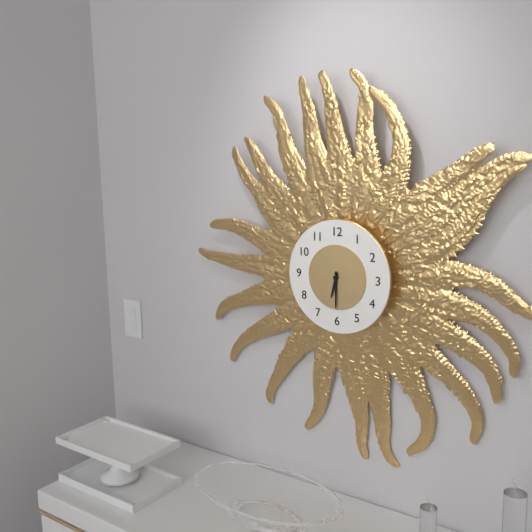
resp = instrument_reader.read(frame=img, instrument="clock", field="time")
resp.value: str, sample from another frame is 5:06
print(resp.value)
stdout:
6:30
